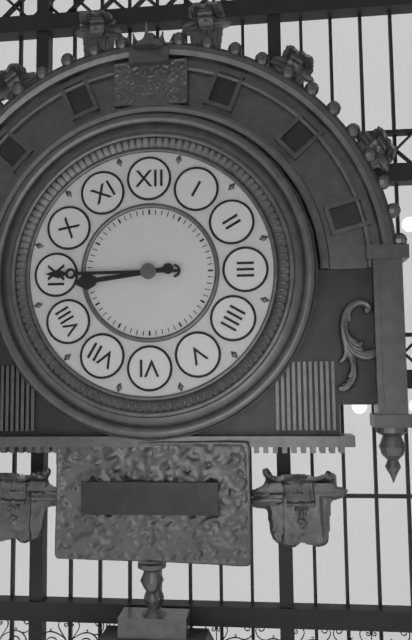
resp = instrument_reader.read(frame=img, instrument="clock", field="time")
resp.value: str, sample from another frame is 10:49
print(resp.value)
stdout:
8:45
